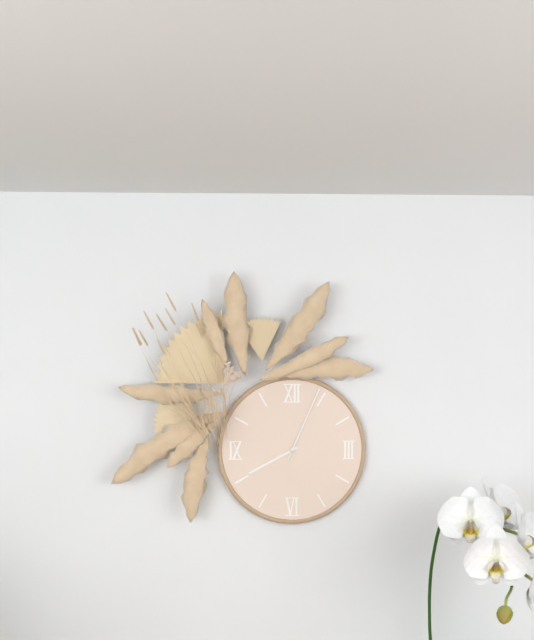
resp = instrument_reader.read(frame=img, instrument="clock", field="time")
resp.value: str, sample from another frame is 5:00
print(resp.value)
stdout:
8:04
